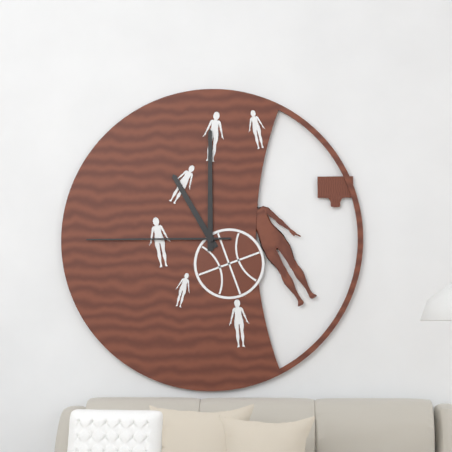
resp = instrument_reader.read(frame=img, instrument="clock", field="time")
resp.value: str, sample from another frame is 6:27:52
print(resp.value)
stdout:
11:00:45
